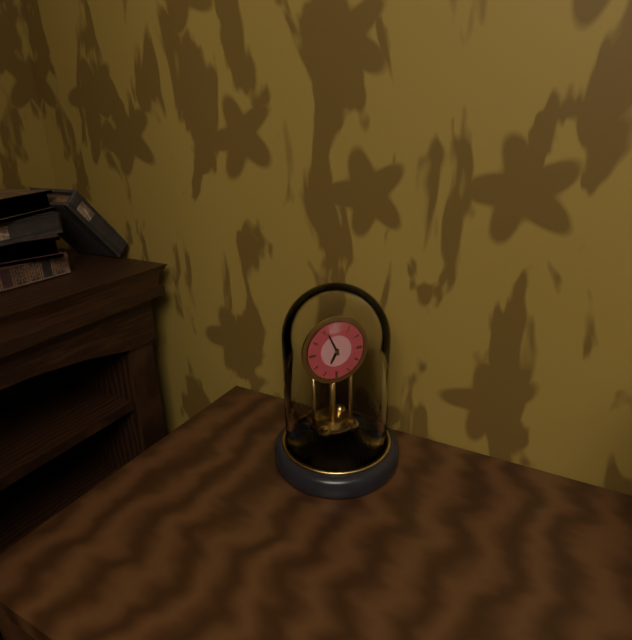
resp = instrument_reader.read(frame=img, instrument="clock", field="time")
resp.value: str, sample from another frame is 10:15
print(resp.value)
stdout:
6:56
